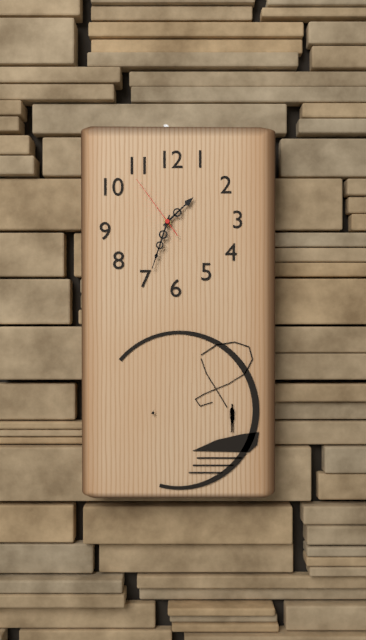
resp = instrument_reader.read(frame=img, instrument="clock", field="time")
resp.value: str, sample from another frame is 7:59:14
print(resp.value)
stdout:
1:33:54
